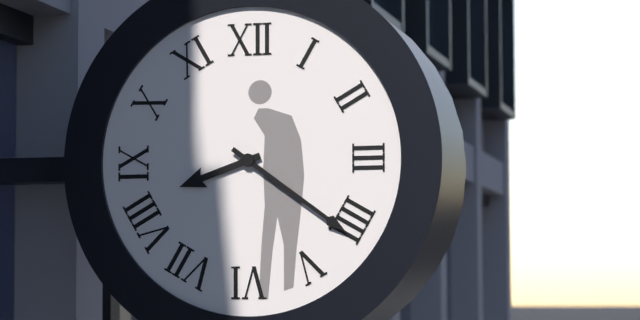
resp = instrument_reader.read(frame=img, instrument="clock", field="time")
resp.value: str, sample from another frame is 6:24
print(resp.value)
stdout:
8:21
